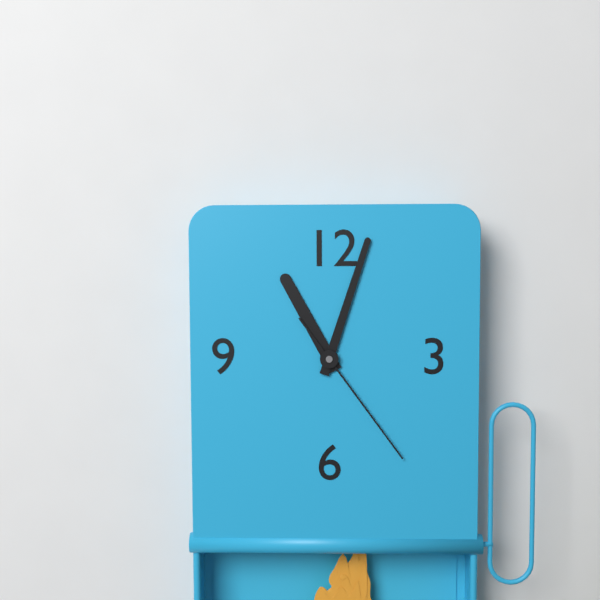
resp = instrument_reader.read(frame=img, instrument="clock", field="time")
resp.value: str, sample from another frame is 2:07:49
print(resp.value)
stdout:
11:03:24
